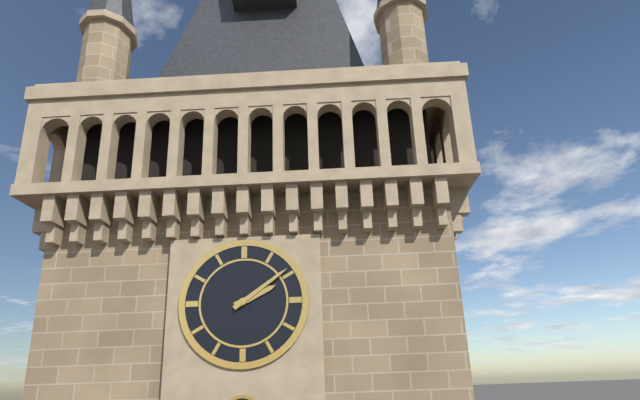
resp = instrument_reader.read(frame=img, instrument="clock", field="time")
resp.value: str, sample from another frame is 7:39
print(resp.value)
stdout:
2:09
